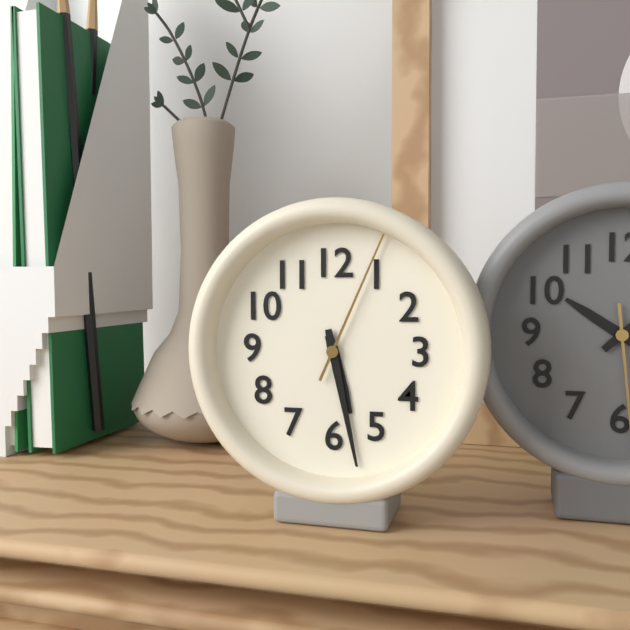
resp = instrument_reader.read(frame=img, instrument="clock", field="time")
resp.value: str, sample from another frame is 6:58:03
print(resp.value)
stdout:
5:28:04
